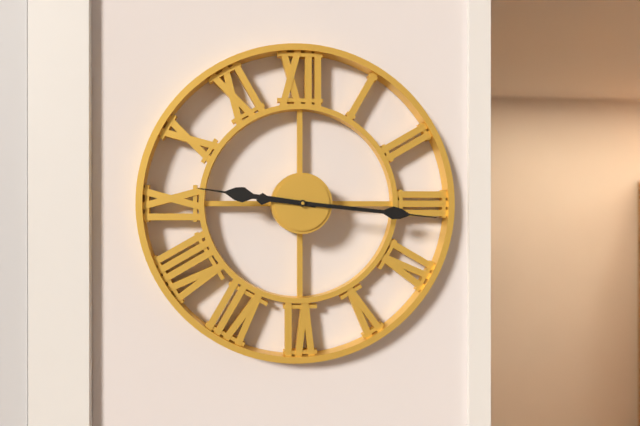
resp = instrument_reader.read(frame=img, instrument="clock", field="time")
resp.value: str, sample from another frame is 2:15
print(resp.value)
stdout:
9:16
